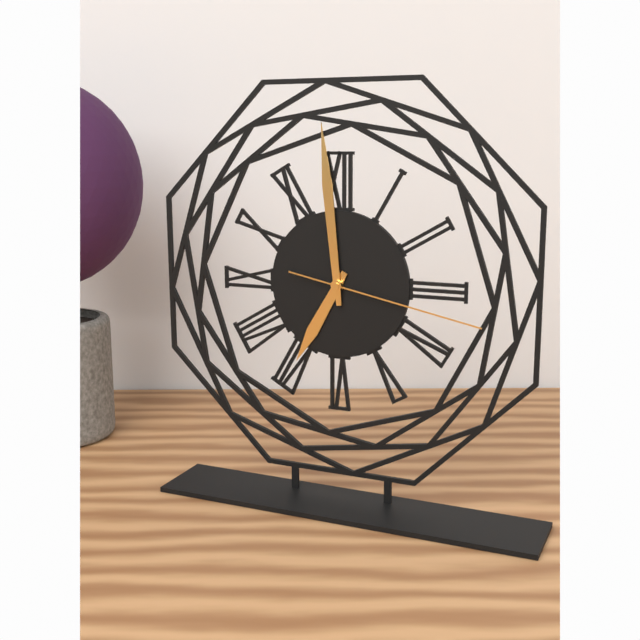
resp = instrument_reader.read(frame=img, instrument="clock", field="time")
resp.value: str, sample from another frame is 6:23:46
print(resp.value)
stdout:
6:59:17
